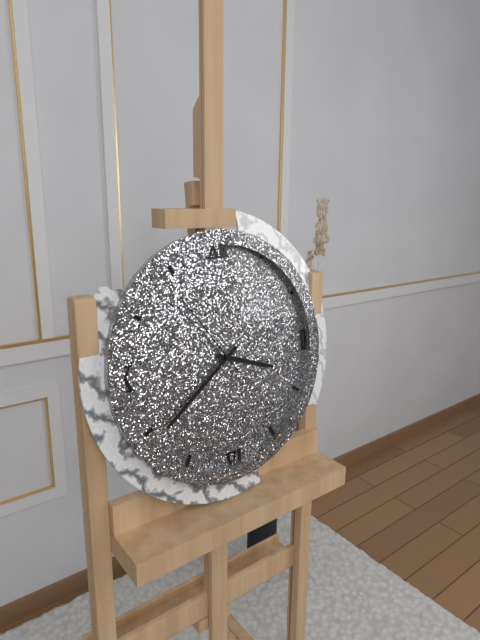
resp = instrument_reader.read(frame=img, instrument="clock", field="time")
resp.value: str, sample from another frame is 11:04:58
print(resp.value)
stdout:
3:39:54
